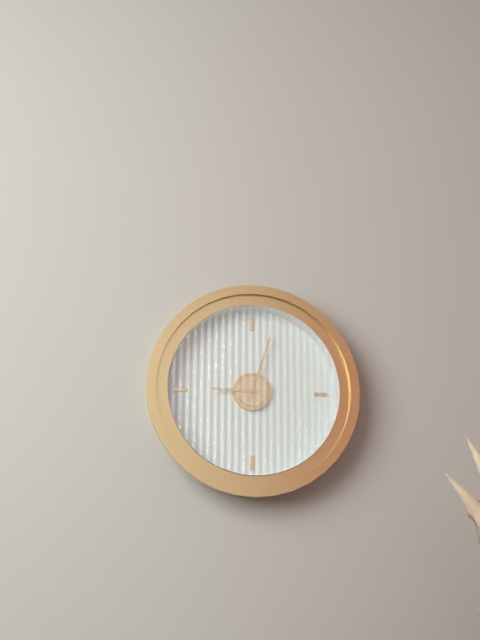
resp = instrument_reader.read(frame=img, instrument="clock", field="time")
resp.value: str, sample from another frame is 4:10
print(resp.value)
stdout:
9:03
